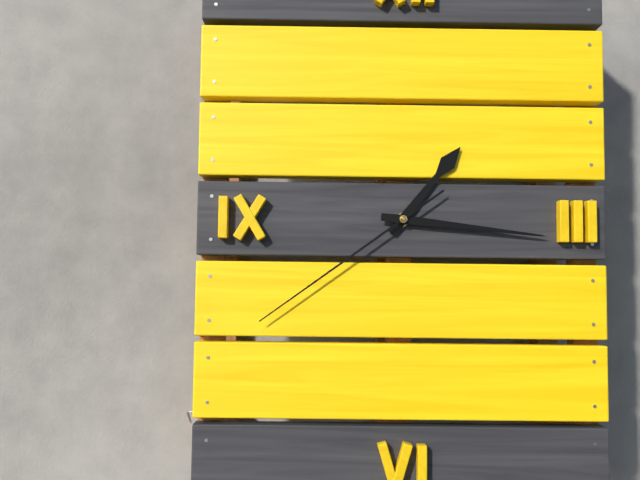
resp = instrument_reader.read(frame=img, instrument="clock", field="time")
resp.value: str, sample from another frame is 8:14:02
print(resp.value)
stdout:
1:16:39
